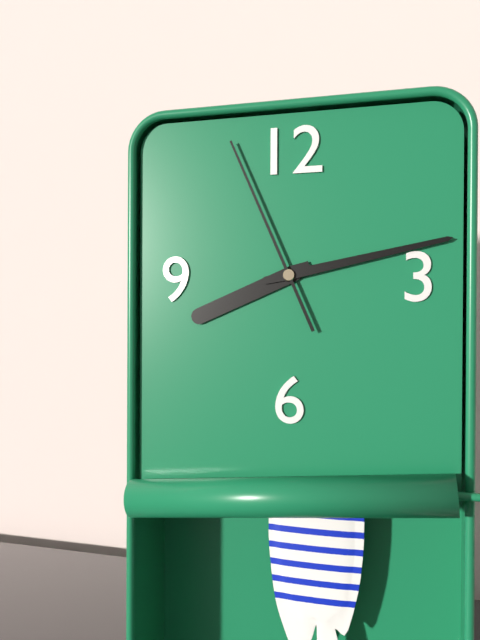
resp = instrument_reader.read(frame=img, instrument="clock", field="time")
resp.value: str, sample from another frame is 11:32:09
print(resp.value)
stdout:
8:13:56
